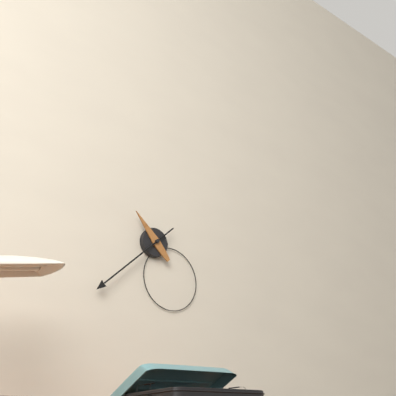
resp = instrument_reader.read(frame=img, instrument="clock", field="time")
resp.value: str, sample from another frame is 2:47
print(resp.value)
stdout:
10:38
